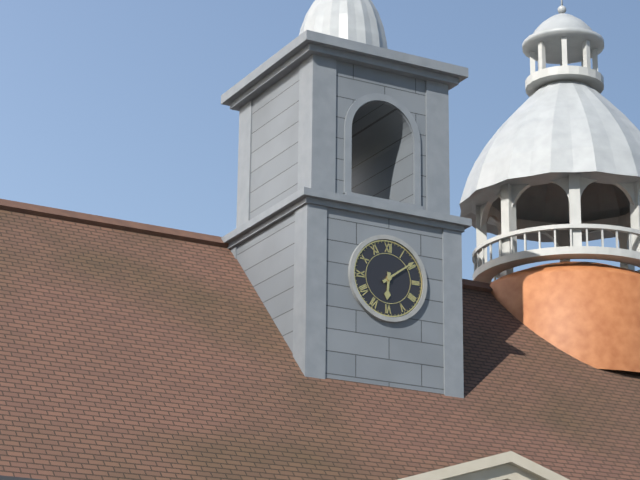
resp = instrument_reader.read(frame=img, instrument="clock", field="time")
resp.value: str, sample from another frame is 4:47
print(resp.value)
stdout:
6:09
